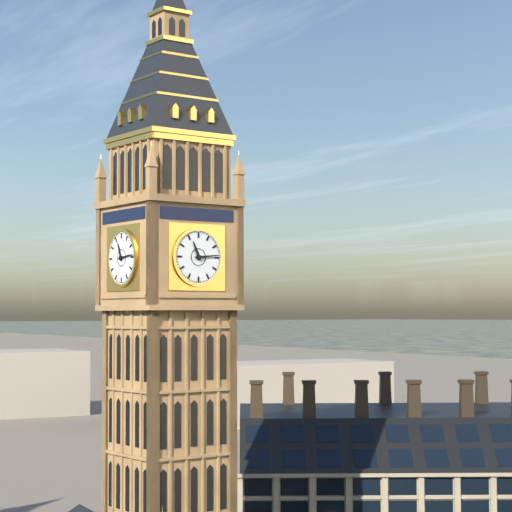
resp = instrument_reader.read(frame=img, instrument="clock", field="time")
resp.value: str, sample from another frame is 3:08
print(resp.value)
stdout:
11:14
